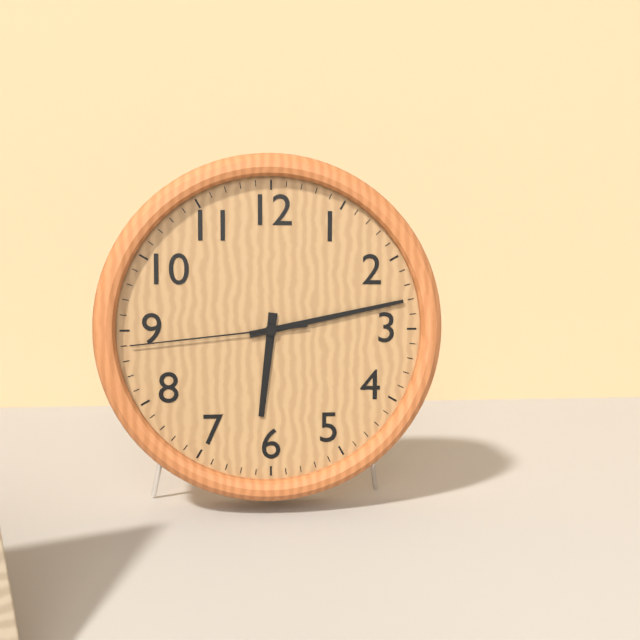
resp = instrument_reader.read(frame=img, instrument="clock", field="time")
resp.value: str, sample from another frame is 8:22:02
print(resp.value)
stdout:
6:13:44
